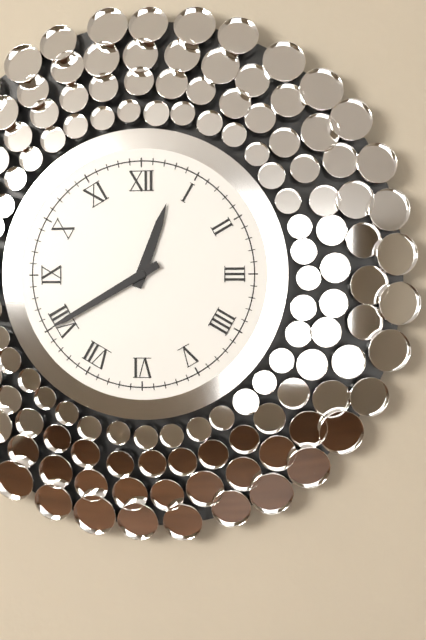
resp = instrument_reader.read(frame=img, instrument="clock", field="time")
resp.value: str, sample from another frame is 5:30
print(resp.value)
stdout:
12:40
